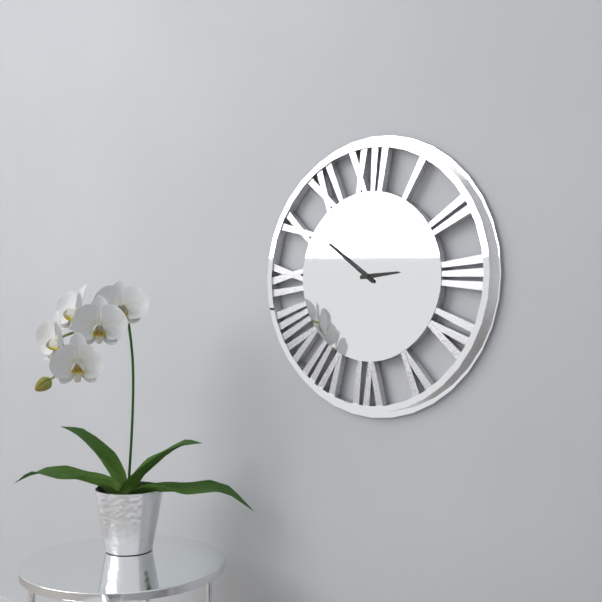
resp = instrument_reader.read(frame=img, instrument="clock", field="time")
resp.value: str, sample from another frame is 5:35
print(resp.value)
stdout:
2:51
